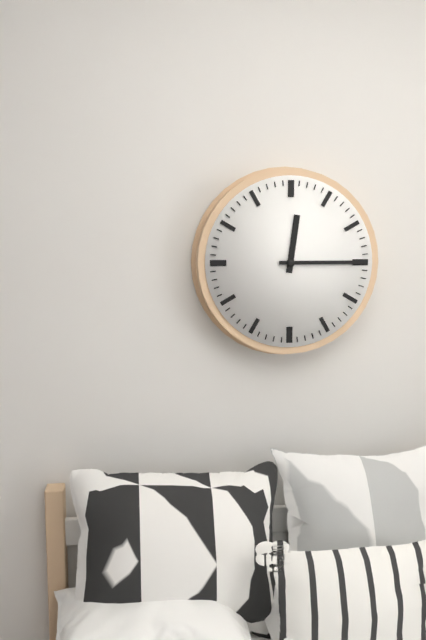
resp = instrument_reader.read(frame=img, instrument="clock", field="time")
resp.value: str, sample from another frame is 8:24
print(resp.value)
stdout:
12:15
